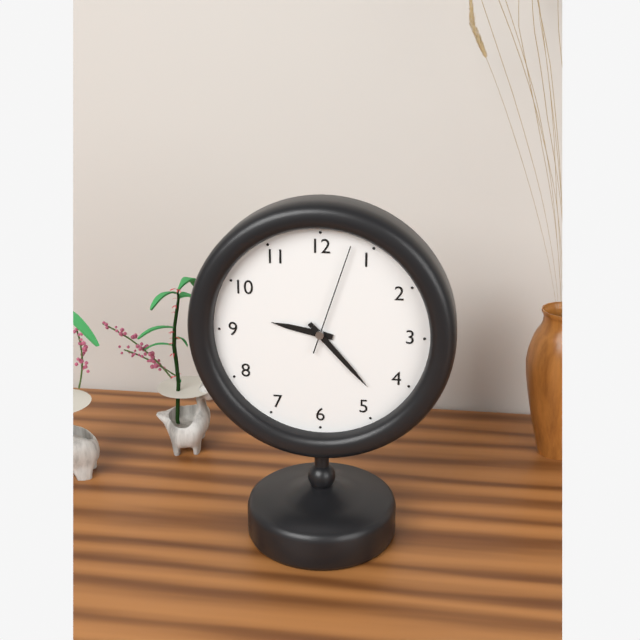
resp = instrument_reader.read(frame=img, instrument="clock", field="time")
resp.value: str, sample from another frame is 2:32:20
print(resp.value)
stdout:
9:23:03
